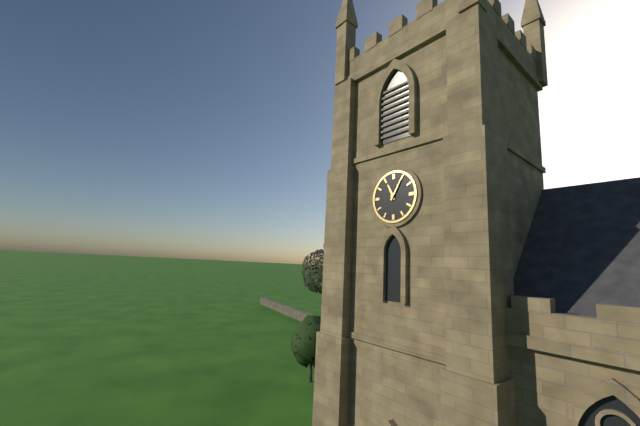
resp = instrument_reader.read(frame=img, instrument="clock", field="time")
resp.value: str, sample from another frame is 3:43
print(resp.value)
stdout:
11:05
